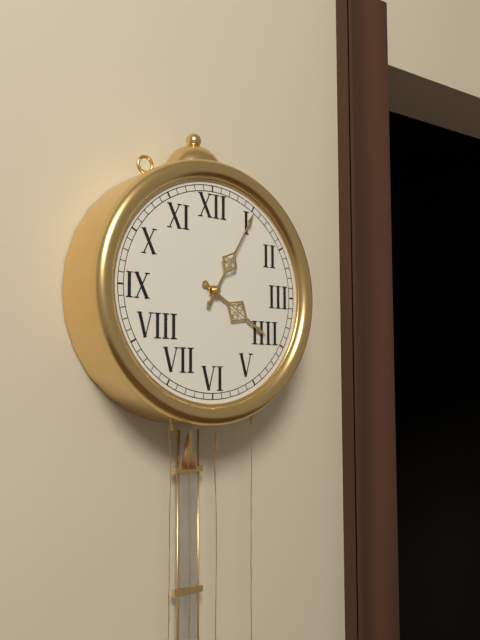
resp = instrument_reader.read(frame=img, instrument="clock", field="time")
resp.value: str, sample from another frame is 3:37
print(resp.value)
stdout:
4:05
